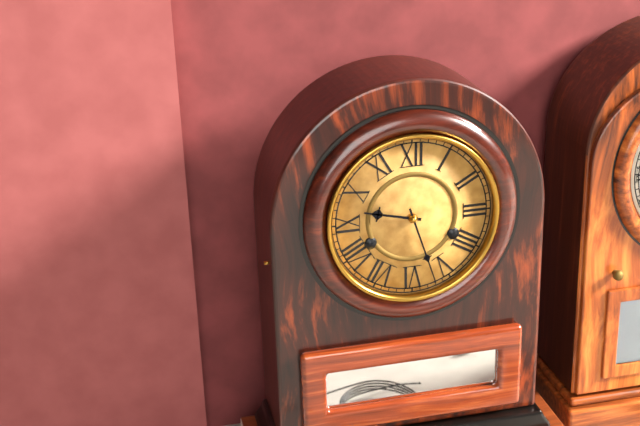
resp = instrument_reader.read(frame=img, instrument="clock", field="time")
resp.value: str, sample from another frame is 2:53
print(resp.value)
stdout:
9:27
